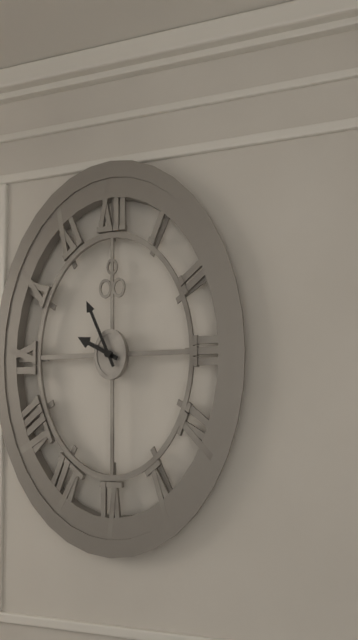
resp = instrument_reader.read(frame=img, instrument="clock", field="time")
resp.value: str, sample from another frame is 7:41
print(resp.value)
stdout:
9:56
